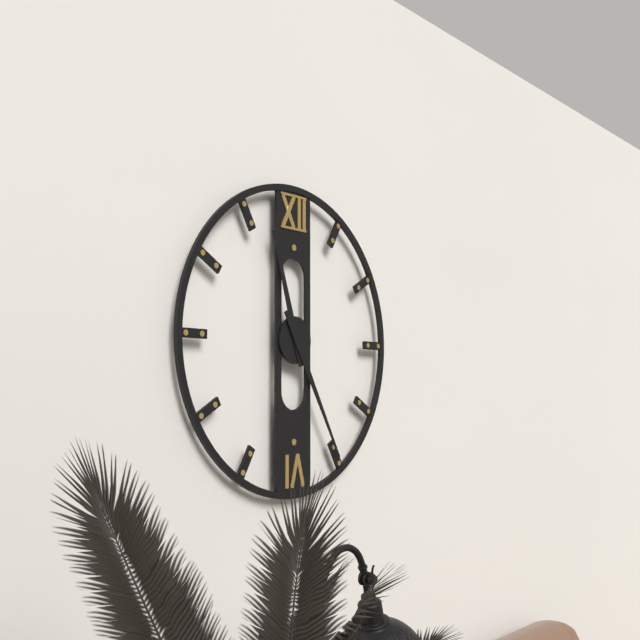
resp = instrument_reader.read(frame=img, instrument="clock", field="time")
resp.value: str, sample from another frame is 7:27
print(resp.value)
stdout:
11:25
